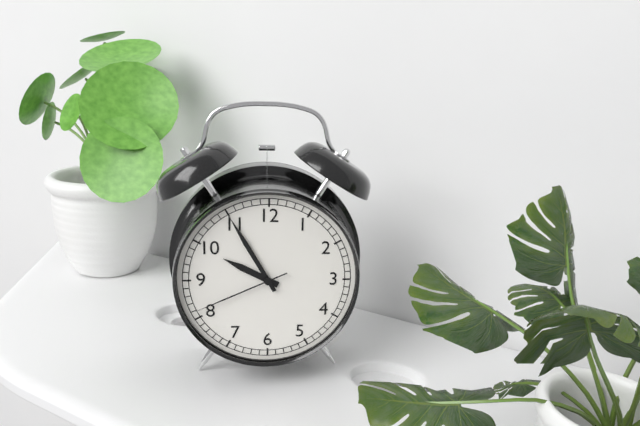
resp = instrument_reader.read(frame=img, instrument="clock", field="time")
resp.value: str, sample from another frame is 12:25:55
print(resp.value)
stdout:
9:55:41
